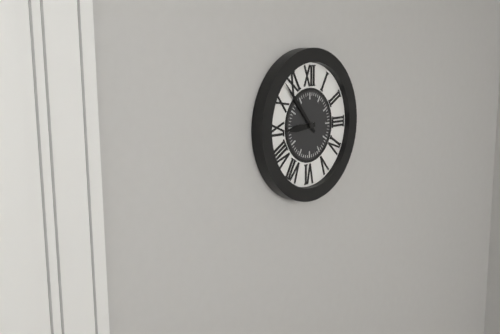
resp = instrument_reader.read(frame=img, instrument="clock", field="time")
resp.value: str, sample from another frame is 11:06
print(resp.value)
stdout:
8:53
